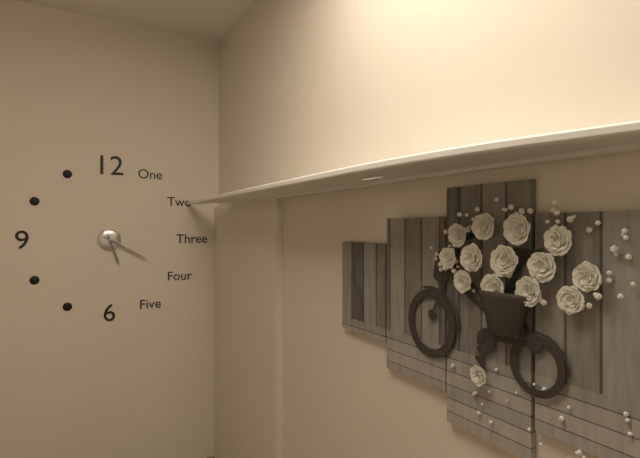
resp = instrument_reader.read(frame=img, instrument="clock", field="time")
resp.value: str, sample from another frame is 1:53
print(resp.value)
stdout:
5:20
